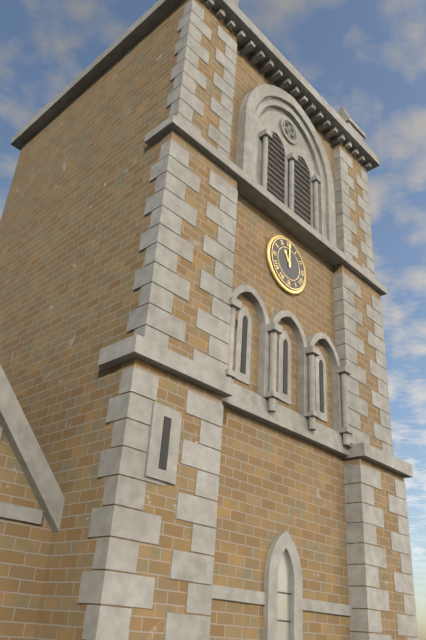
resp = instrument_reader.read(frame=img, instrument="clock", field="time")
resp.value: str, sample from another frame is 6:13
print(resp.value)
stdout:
11:00
